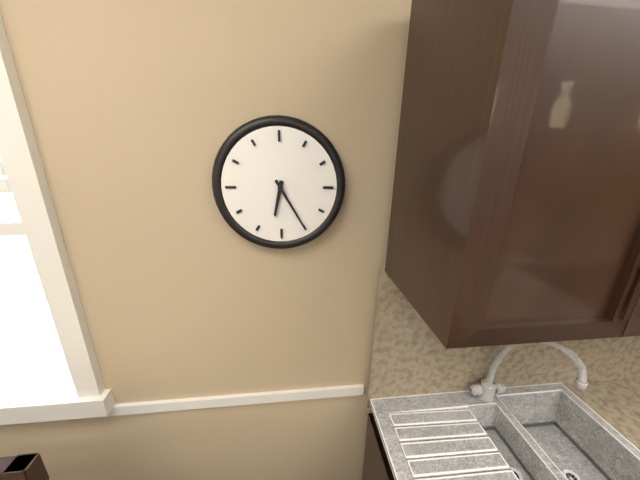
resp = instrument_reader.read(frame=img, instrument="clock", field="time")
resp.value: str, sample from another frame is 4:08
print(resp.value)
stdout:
6:25
